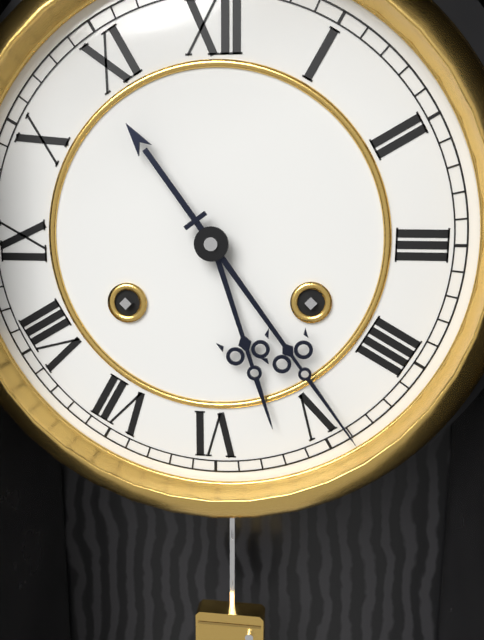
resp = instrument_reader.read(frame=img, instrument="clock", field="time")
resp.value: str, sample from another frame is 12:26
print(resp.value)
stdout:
5:24
